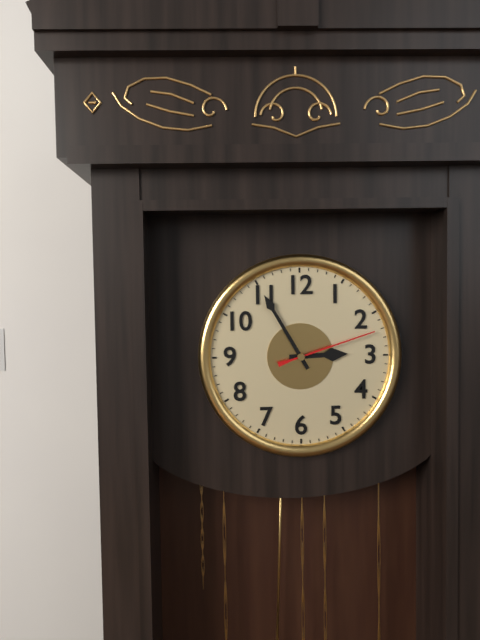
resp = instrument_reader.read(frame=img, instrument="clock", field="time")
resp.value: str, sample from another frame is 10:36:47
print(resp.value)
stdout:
2:55:12
